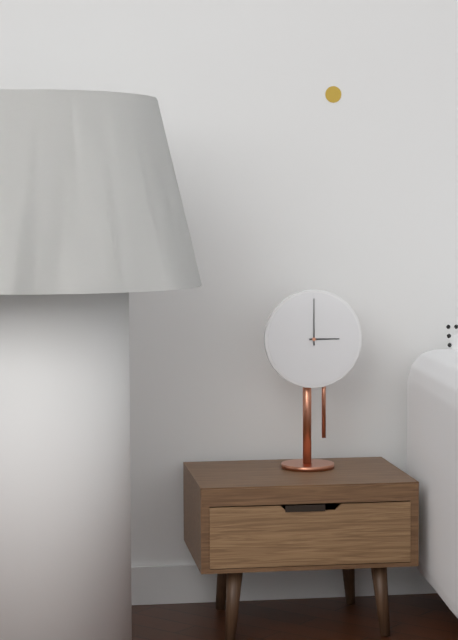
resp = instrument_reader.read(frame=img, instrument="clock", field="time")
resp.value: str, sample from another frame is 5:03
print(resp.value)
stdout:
3:00
